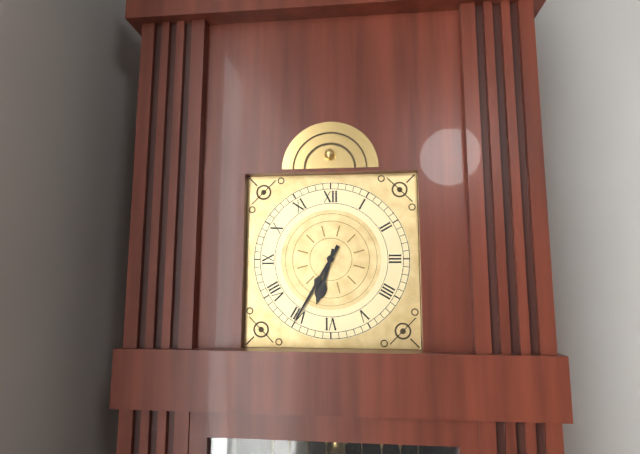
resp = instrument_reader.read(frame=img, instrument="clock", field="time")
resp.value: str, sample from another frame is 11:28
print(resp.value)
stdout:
6:35
